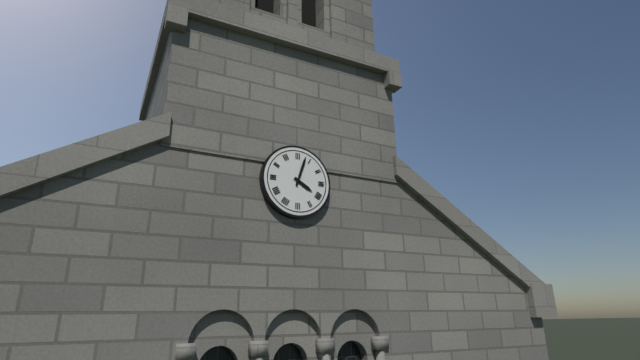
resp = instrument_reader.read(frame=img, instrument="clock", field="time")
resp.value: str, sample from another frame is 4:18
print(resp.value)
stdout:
4:03
